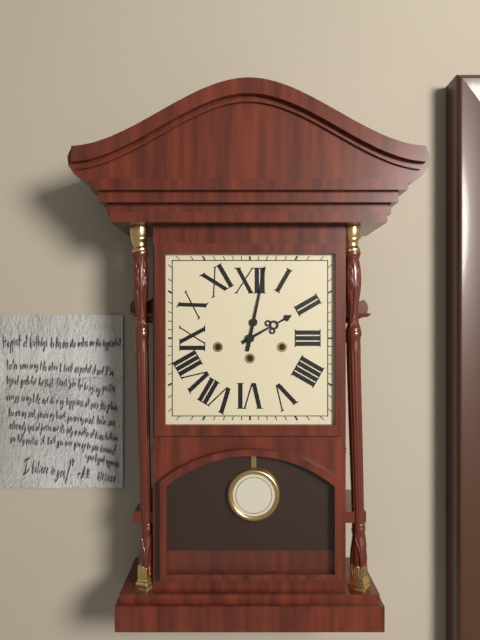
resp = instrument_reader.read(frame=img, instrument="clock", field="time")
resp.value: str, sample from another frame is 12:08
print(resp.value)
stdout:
2:02
